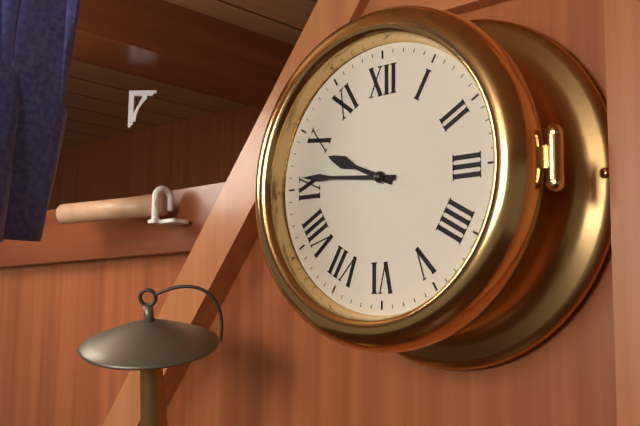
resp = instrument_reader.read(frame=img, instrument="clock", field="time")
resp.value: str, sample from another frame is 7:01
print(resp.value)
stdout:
9:46
